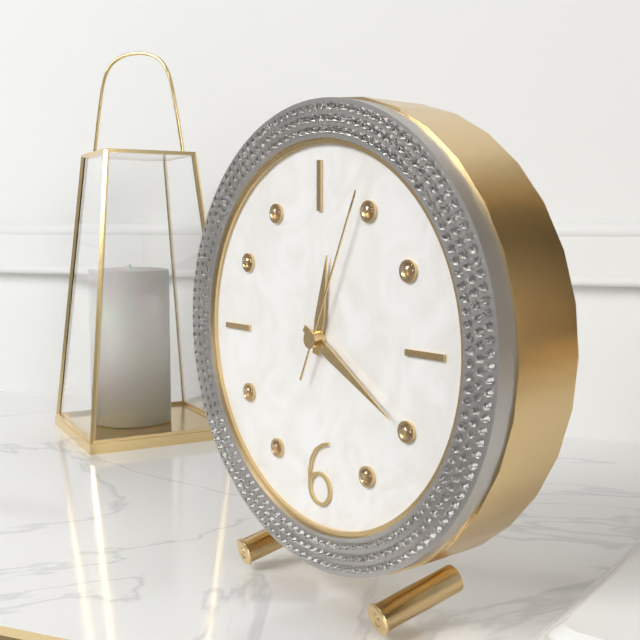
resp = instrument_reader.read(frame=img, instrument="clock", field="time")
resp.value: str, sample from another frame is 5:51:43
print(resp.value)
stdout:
12:20:04
